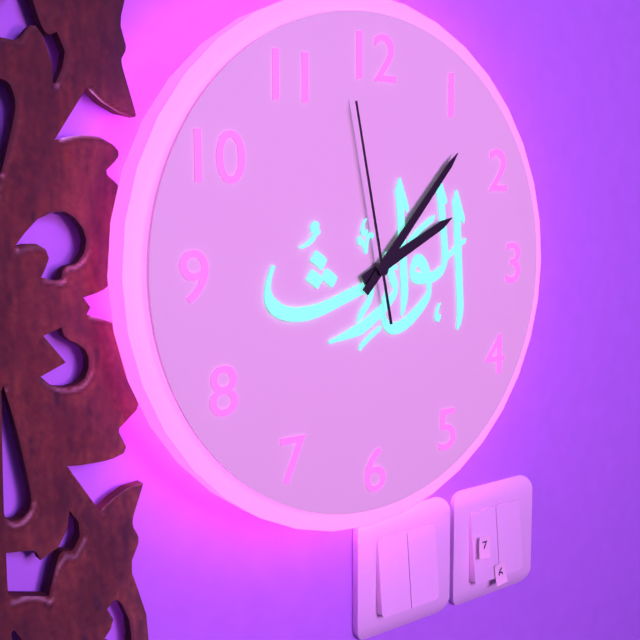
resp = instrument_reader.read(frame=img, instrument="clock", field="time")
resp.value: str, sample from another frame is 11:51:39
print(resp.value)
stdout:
2:07:58
